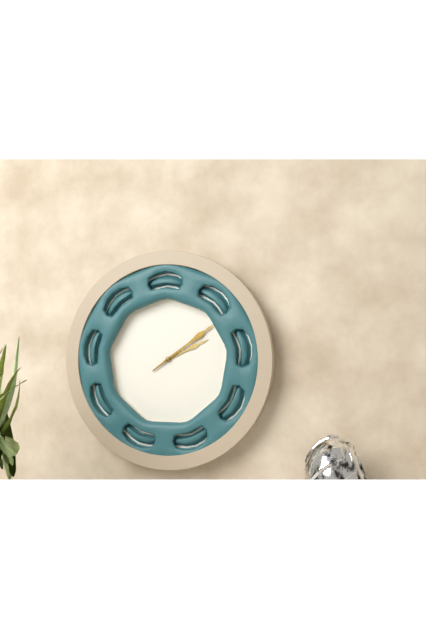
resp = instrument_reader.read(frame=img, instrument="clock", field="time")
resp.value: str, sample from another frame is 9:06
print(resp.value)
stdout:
2:09
